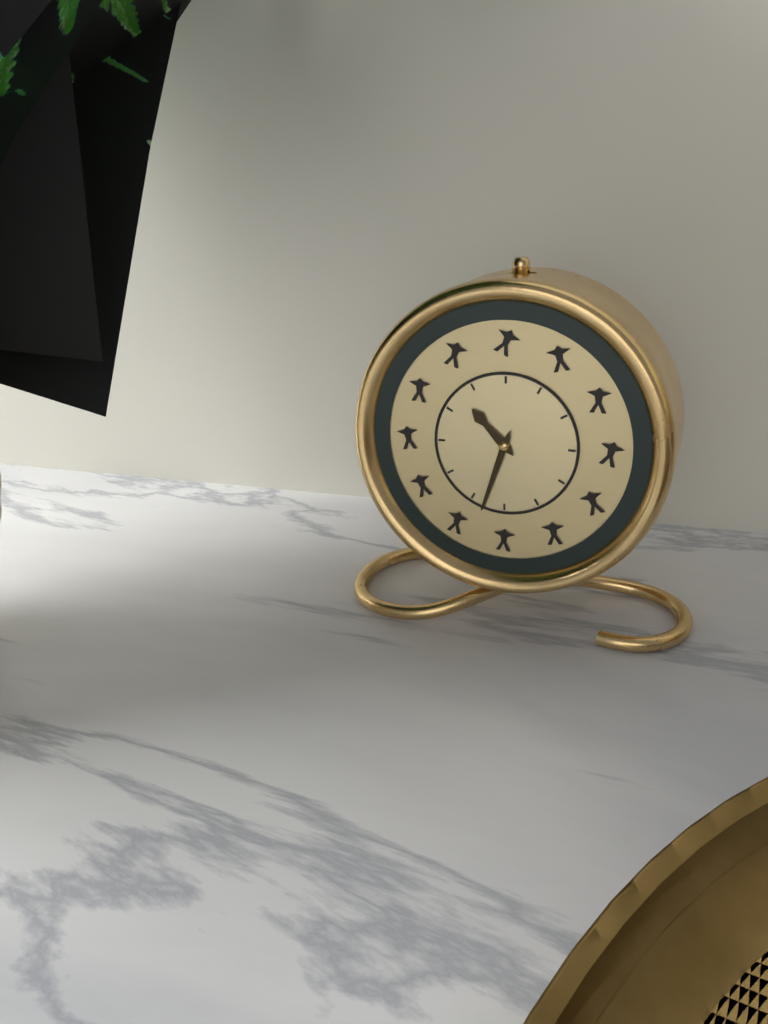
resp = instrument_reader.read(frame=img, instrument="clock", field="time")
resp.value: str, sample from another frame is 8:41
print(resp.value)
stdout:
10:33
